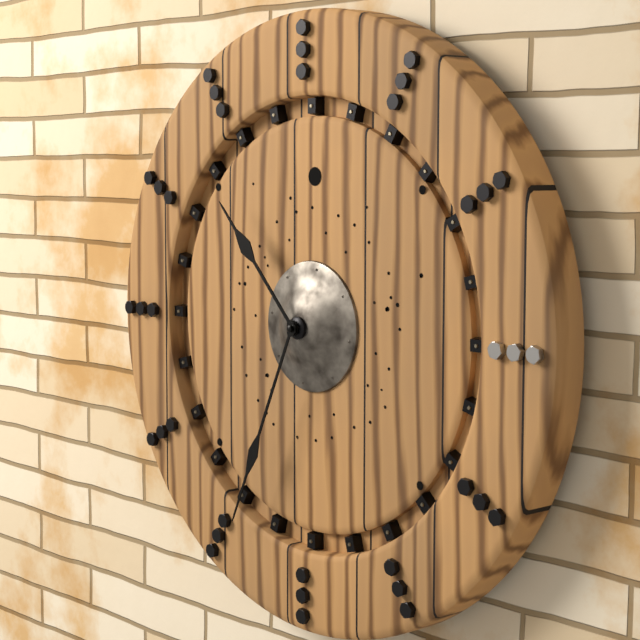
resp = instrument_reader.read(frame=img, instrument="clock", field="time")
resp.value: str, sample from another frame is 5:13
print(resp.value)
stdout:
10:34
